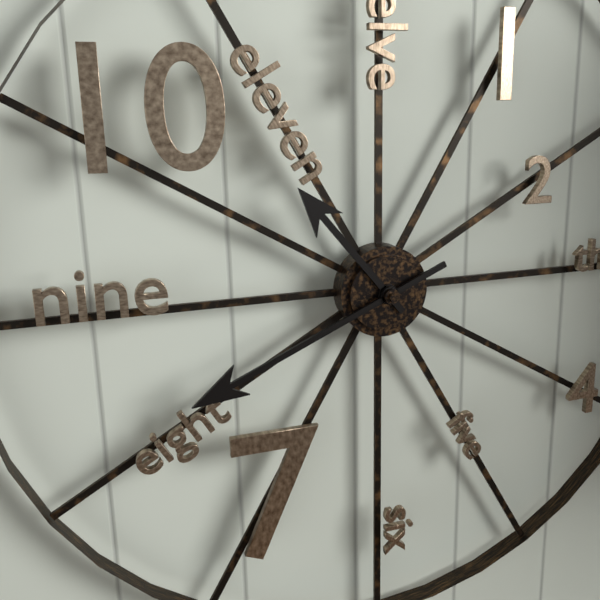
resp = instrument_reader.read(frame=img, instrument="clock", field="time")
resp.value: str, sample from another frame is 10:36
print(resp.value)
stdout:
10:41
